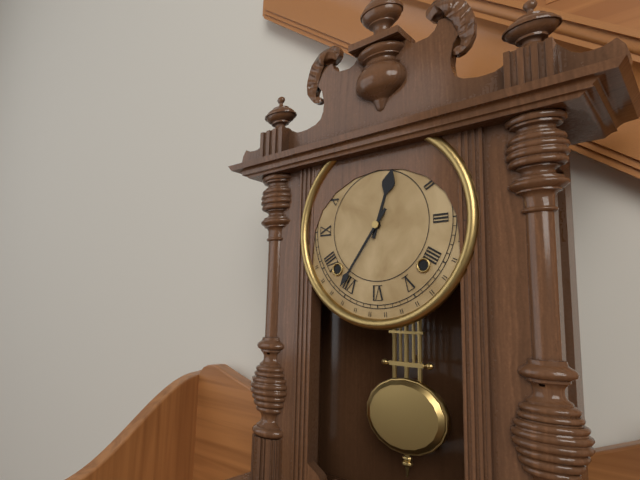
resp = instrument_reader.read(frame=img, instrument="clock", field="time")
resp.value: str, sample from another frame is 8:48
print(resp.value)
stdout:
12:36
